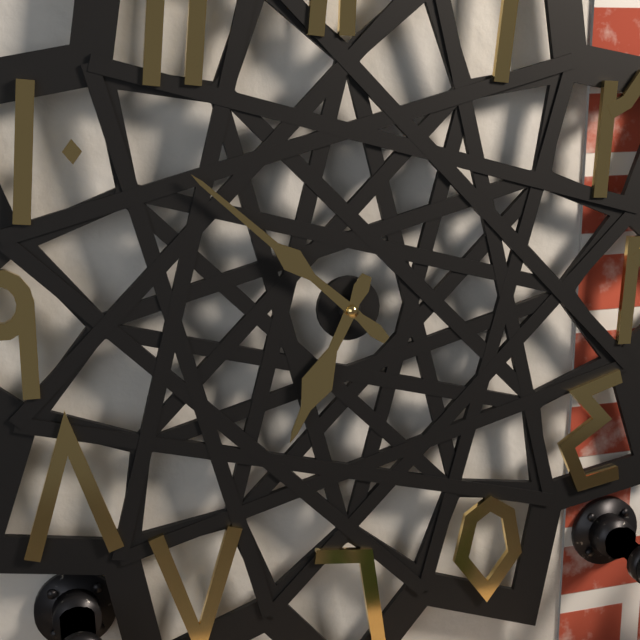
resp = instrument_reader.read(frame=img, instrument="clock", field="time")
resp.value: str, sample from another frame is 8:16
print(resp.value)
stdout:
6:52
